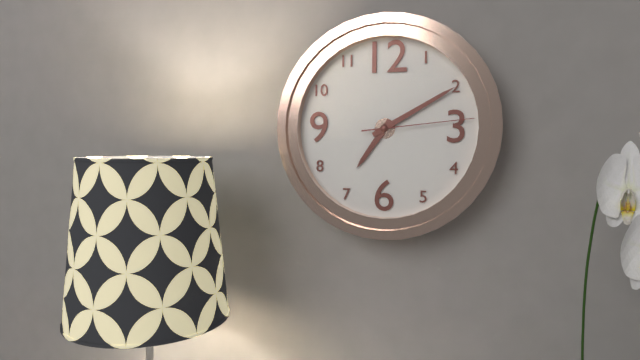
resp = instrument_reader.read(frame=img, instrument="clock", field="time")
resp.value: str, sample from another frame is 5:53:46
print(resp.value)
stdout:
7:10:14
